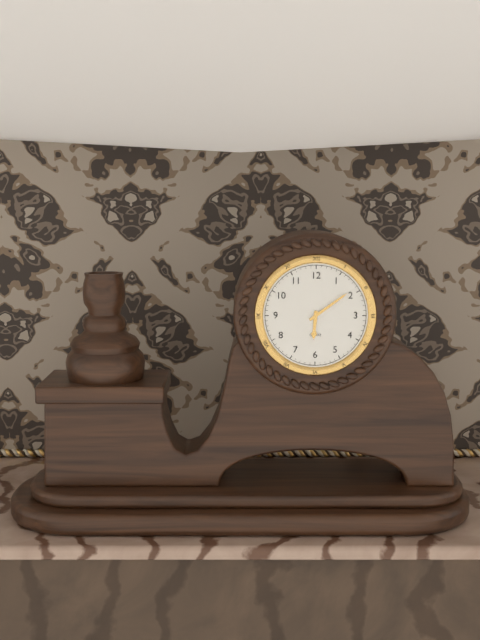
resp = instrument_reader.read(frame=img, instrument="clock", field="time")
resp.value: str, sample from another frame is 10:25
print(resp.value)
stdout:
6:09
